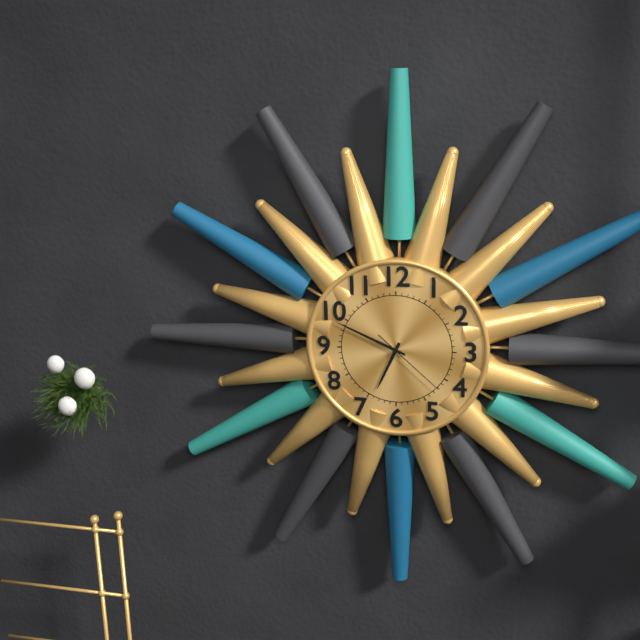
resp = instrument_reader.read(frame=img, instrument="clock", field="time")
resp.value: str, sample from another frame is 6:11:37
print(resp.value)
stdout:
6:49:22
